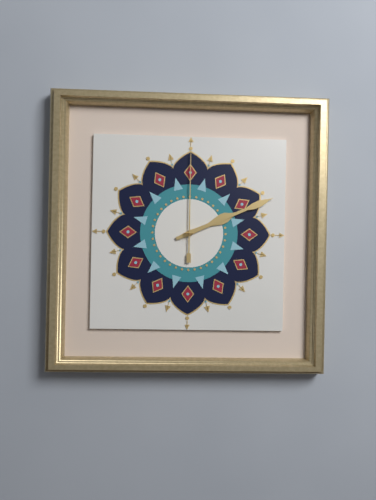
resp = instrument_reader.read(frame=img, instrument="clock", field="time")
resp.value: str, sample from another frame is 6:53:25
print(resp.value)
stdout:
2:11:00
